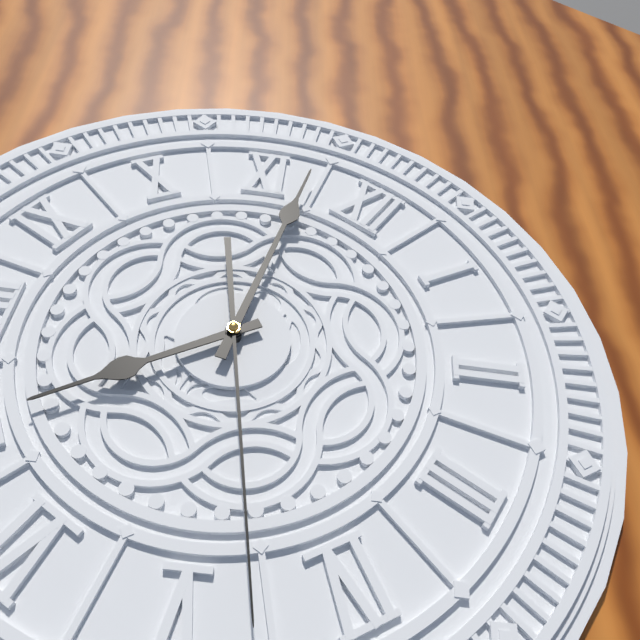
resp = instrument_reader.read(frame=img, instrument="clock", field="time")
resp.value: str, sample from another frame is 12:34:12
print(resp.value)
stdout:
6:57:23
